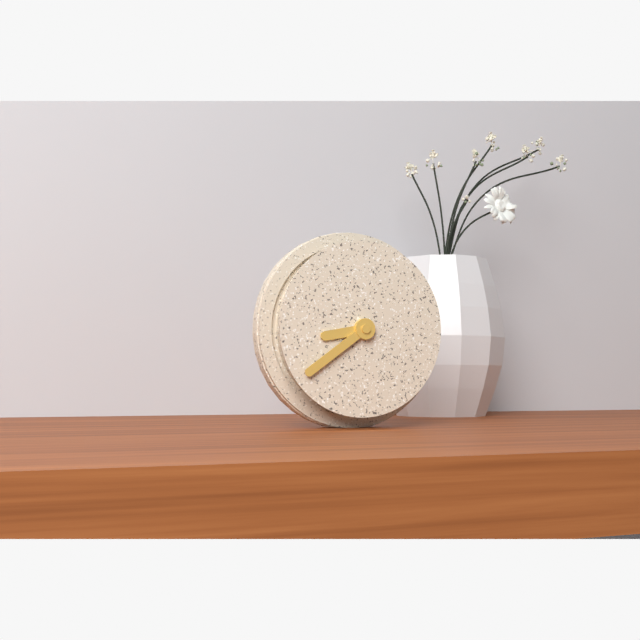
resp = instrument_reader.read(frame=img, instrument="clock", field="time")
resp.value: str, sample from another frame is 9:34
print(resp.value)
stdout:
8:39
